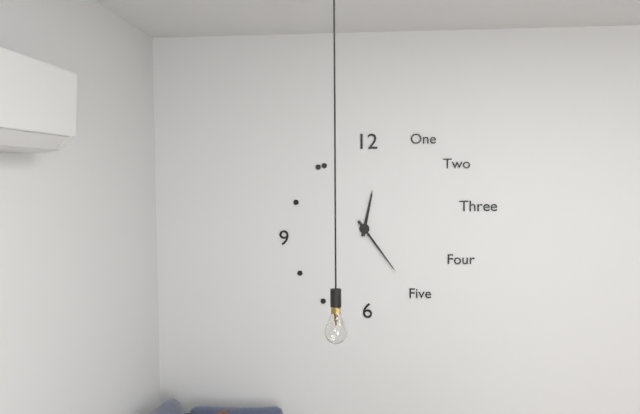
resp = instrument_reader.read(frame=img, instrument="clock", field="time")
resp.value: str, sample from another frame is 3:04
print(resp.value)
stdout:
12:24
